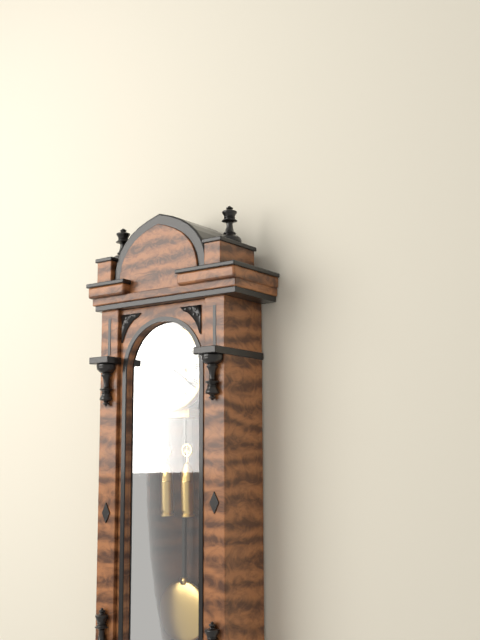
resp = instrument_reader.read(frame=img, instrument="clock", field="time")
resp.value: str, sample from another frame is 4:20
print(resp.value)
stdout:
11:21
